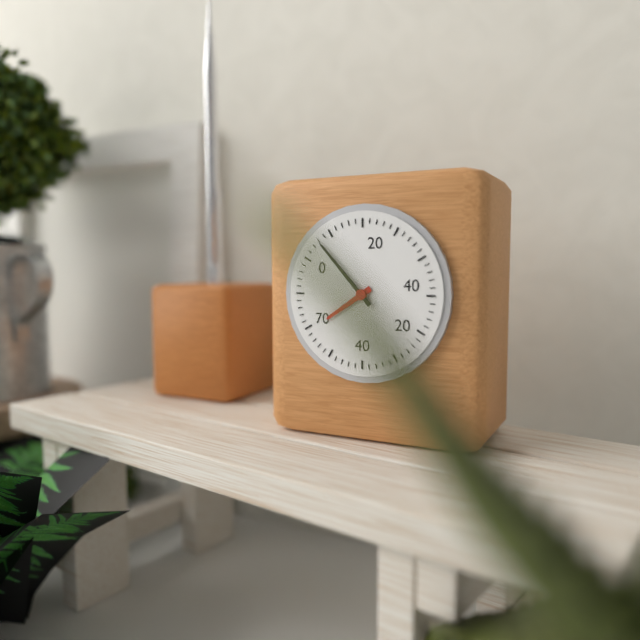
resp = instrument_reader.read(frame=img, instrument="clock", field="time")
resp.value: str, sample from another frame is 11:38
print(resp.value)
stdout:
7:53
